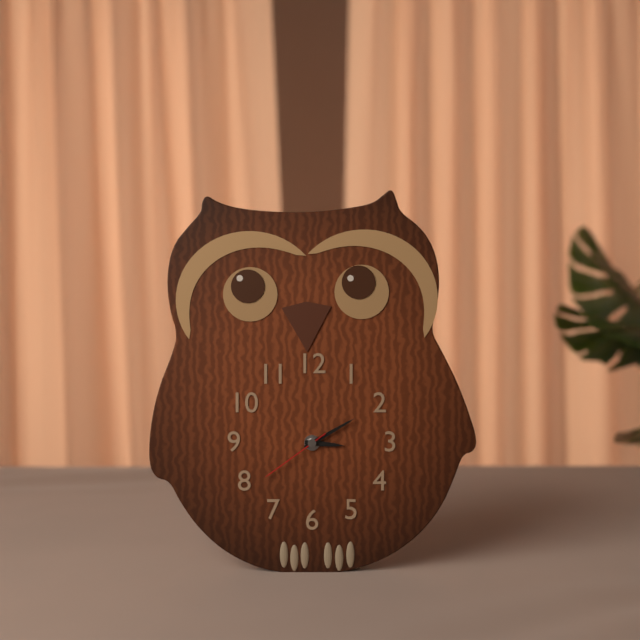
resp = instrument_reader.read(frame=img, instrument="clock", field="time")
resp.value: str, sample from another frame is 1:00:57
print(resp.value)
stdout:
3:10:39
